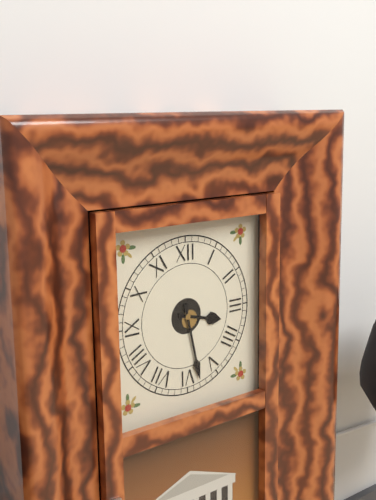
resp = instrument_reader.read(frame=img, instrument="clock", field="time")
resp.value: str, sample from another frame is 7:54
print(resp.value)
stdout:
3:28
